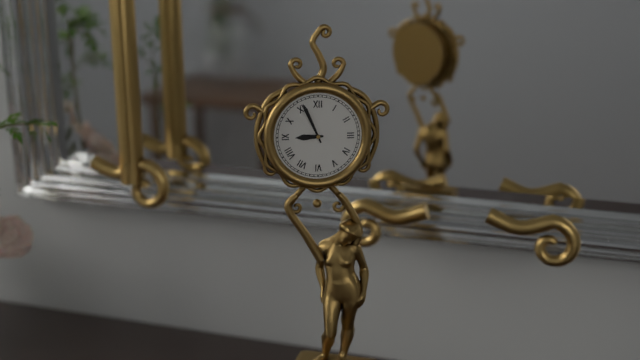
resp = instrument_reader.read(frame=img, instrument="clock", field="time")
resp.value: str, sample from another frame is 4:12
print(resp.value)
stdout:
8:56
